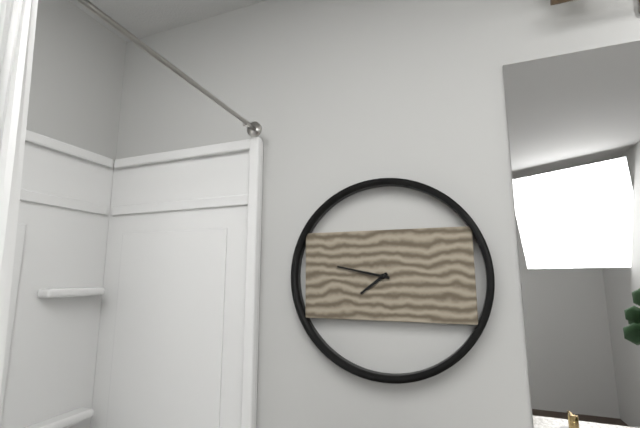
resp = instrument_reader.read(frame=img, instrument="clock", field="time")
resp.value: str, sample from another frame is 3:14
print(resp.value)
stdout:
7:47
